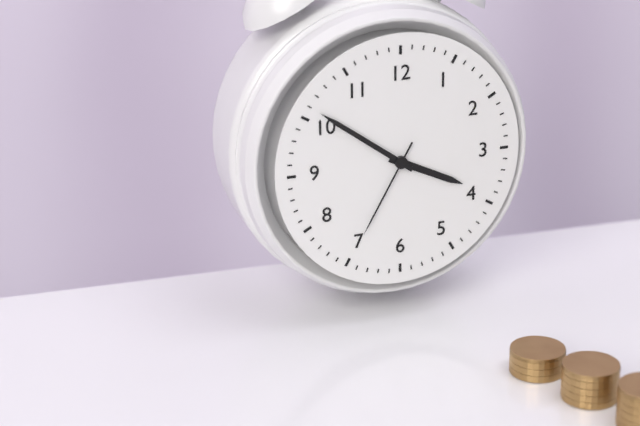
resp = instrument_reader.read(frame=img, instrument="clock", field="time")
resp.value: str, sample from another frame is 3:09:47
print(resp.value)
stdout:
3:51:35
